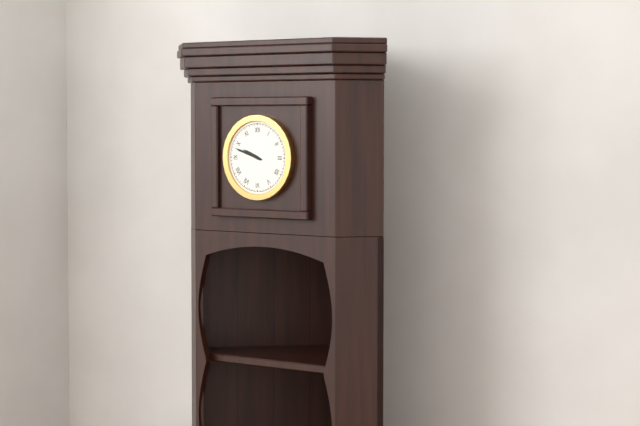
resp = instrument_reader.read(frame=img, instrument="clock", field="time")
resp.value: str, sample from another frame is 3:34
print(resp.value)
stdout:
9:48
